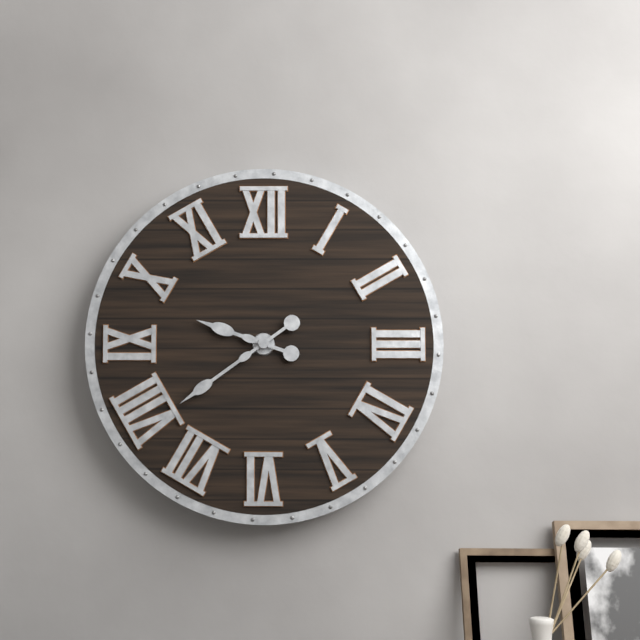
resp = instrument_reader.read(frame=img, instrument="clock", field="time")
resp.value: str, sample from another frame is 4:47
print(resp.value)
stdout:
9:39
